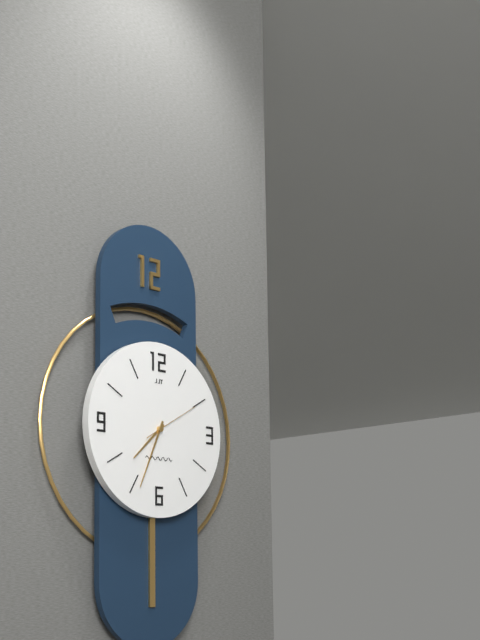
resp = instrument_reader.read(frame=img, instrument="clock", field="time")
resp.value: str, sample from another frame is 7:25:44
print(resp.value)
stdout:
7:34:10
